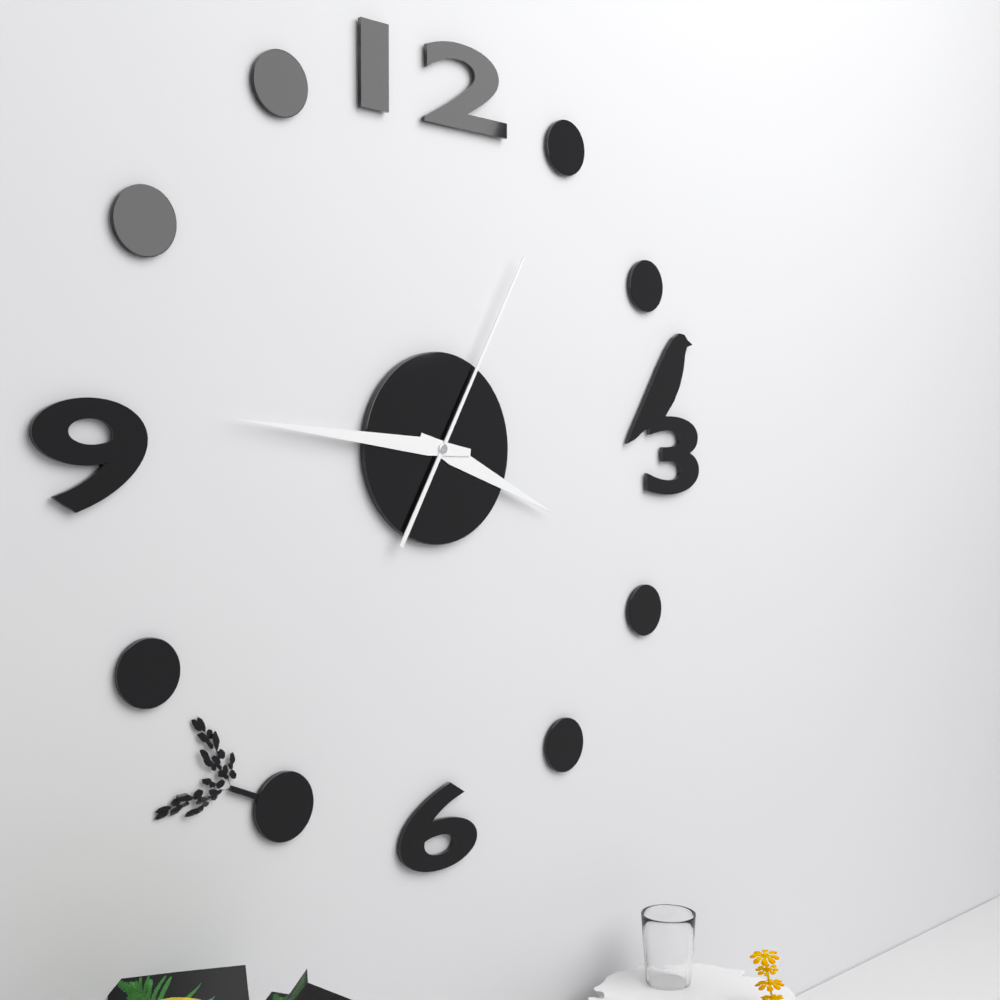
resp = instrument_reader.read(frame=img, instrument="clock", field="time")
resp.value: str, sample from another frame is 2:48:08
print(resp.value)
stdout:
3:46:05
